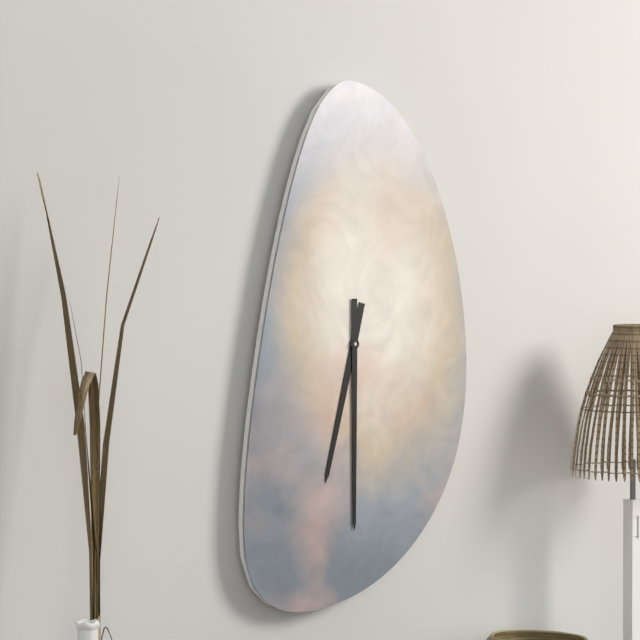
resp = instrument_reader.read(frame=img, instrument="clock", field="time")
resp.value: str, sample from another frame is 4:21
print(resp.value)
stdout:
6:30
